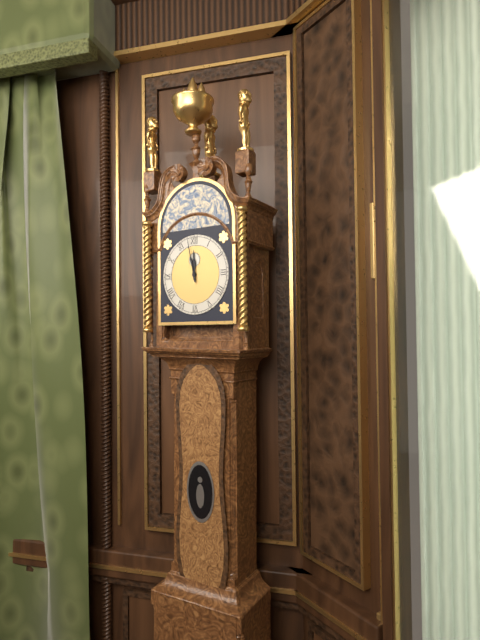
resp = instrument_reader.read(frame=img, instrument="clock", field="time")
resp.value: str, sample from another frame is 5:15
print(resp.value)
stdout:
11:58
